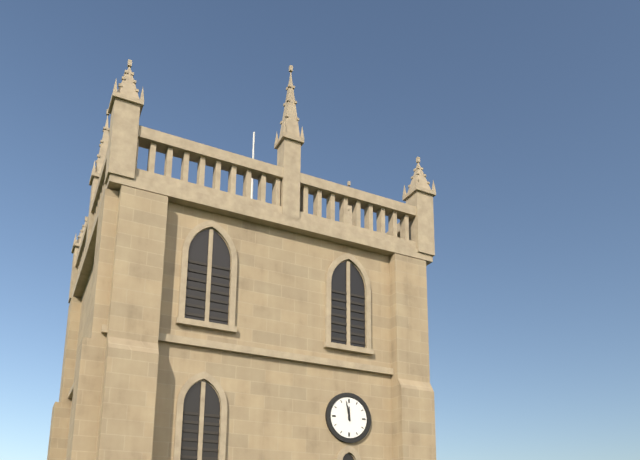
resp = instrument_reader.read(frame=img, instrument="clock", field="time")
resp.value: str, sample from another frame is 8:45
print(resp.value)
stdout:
11:58
